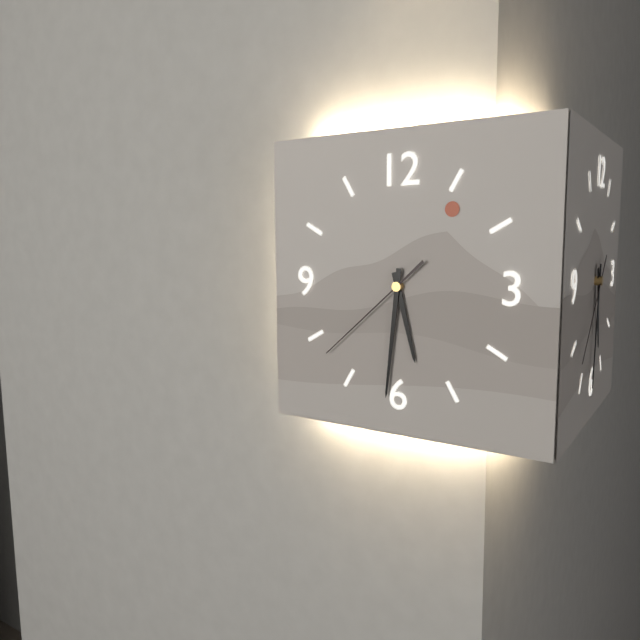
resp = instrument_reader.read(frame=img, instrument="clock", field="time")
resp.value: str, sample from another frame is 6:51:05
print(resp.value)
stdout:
5:31:38
